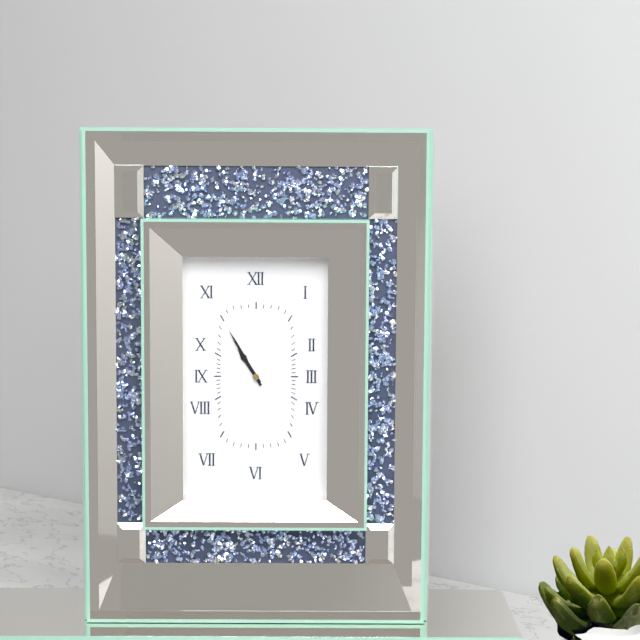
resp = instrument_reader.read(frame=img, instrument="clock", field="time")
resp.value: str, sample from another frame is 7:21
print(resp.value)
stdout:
10:55
